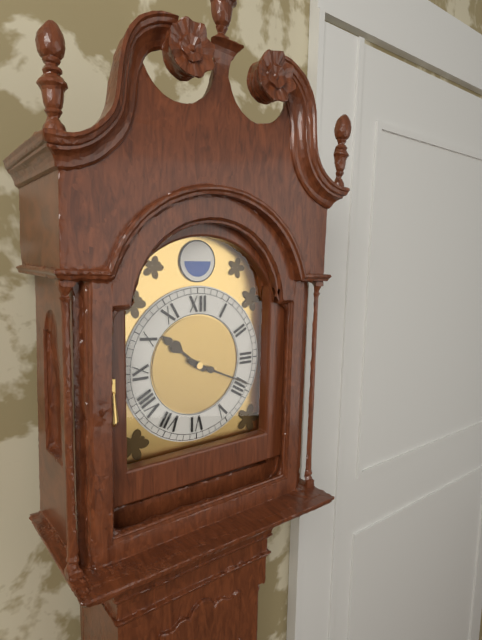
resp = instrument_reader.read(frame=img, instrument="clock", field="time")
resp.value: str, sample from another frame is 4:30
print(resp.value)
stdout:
10:19
